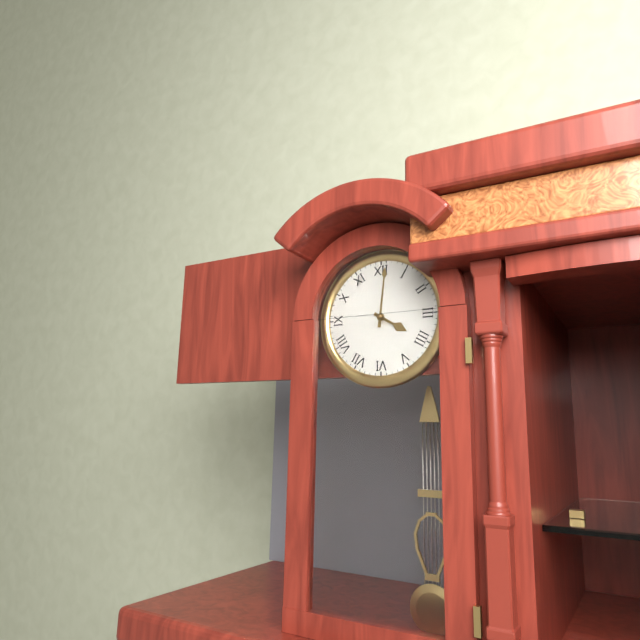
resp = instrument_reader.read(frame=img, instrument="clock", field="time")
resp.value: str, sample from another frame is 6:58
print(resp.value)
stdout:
4:01
